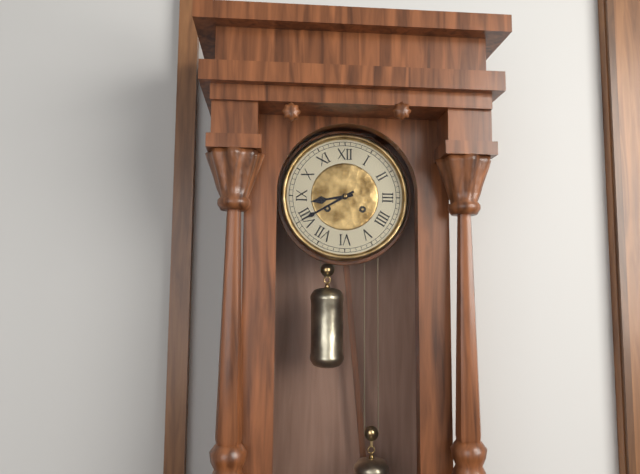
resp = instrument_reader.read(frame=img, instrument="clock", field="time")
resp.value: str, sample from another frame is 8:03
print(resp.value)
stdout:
8:40
